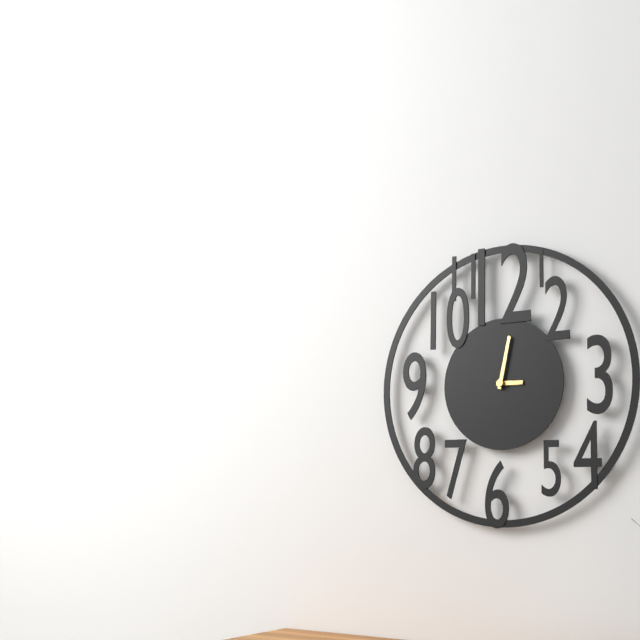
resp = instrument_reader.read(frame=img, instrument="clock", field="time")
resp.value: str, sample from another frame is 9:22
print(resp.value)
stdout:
3:02
